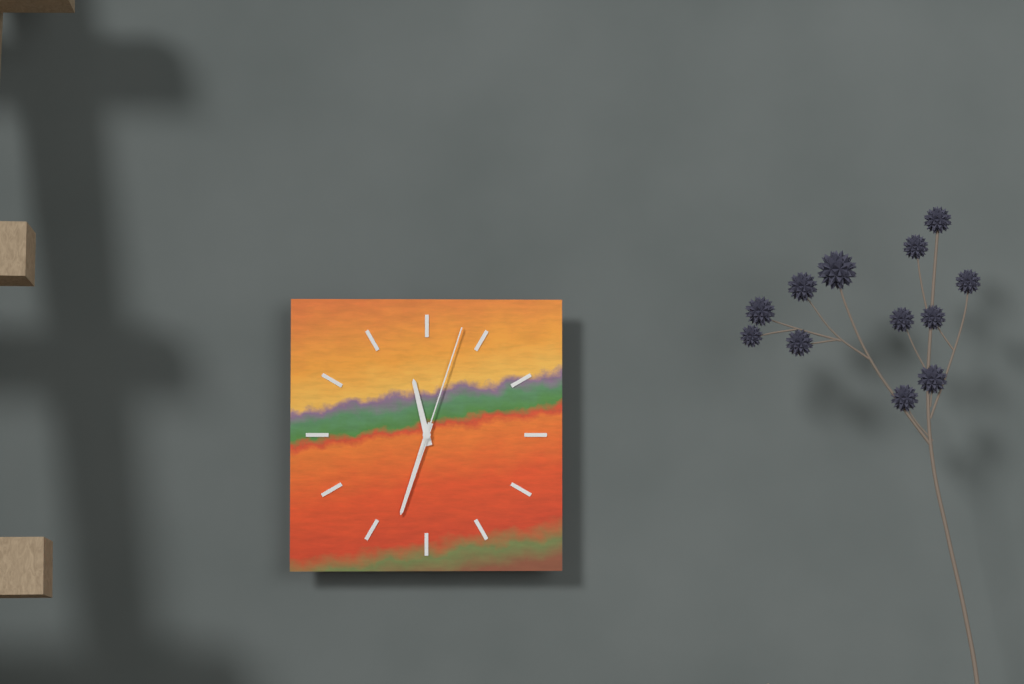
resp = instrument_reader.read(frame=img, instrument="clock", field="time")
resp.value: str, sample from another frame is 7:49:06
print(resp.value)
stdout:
11:33:03
